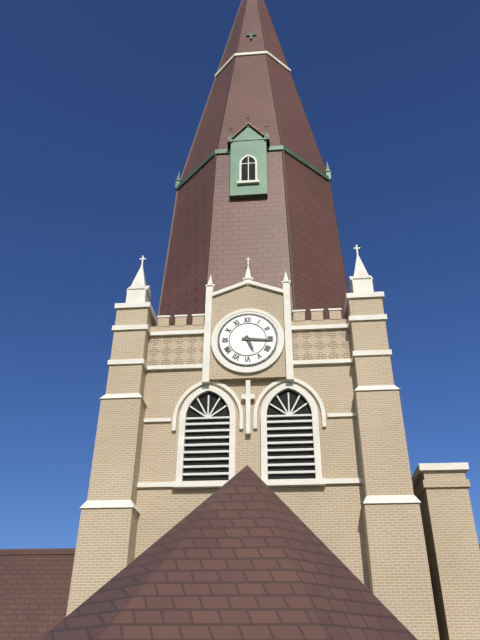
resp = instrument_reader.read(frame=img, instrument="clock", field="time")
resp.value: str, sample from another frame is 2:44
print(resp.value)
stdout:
5:16
